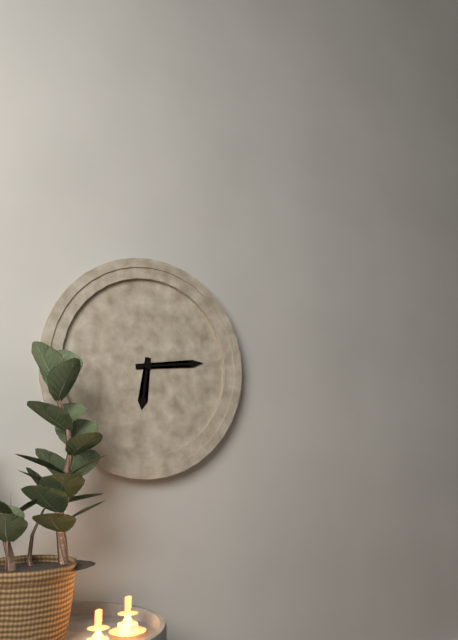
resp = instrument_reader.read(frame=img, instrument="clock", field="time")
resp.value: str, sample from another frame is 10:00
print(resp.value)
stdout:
6:14
